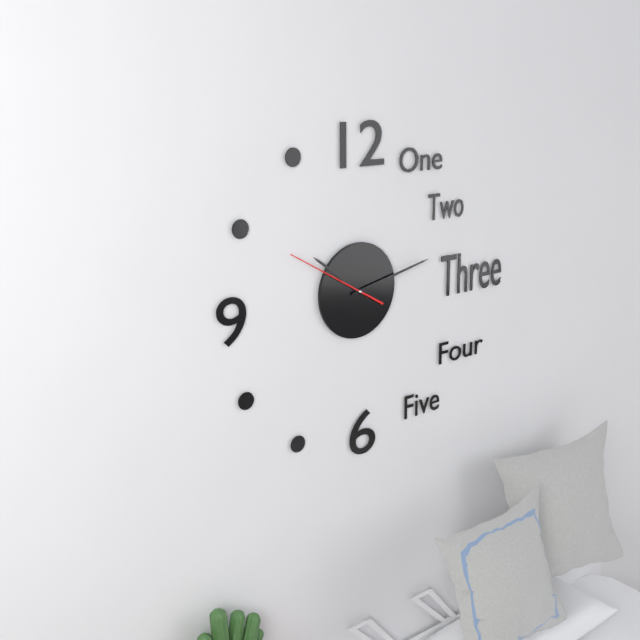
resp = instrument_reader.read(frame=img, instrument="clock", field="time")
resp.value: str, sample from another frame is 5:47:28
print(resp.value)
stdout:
10:13:50
